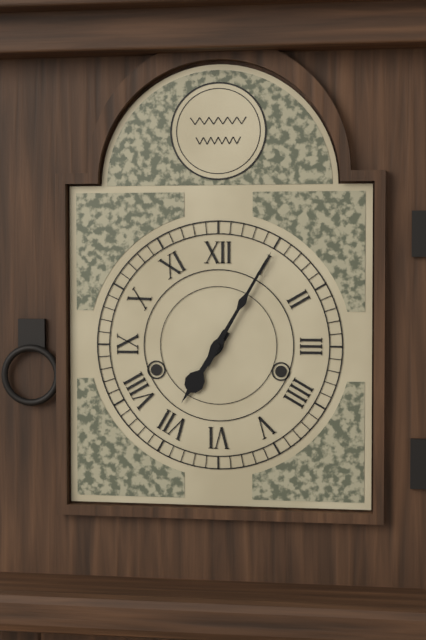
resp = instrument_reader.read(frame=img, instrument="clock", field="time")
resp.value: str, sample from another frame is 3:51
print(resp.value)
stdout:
7:05
